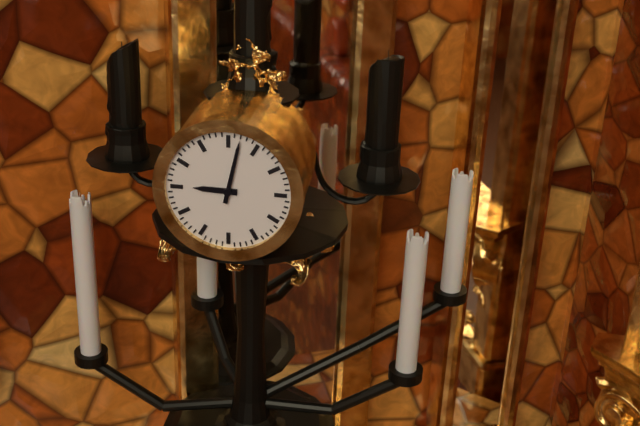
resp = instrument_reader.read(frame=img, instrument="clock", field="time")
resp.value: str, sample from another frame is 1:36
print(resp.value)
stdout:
9:02
